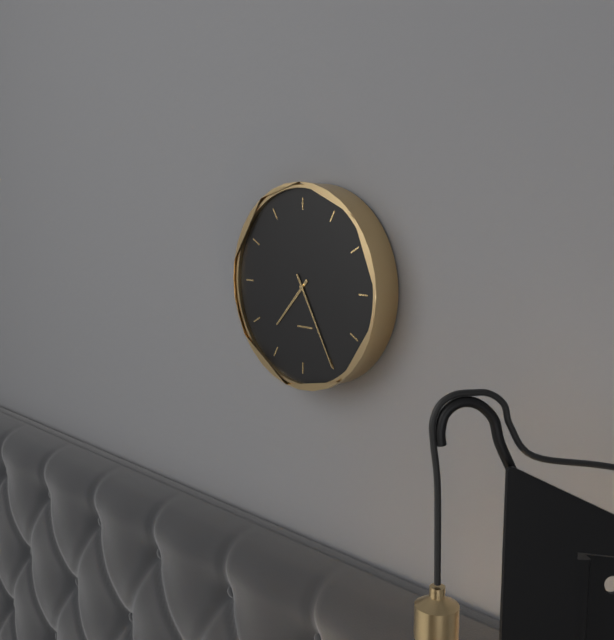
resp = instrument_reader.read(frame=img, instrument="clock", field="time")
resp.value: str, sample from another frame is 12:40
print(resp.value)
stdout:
7:25
